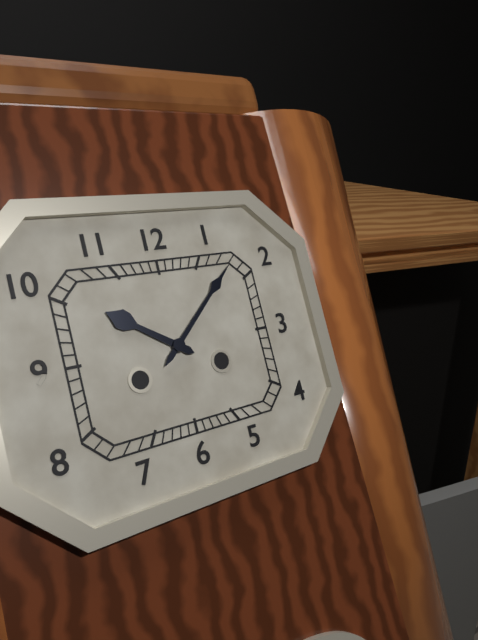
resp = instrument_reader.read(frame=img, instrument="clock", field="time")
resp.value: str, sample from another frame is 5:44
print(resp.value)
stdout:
10:08
